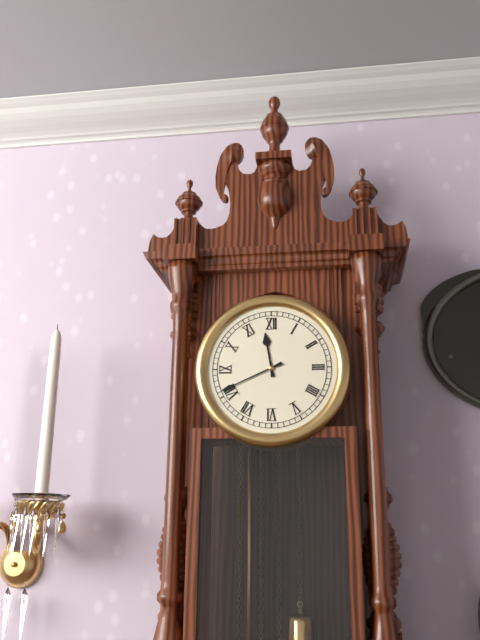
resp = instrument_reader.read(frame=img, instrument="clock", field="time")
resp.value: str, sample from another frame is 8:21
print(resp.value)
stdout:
11:41
